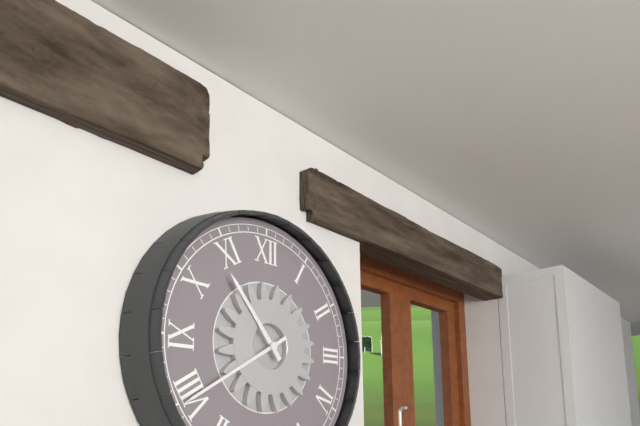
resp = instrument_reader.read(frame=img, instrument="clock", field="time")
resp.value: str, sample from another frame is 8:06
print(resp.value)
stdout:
10:40
